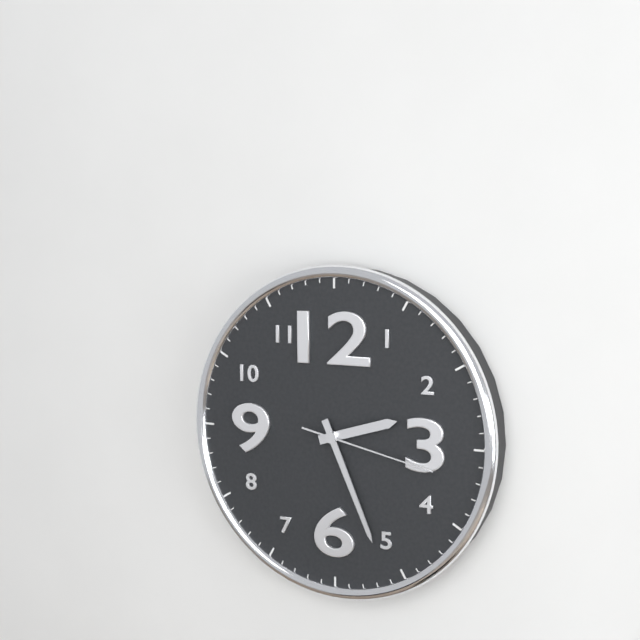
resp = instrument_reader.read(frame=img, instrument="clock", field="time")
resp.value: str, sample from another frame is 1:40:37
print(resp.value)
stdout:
2:26:17
